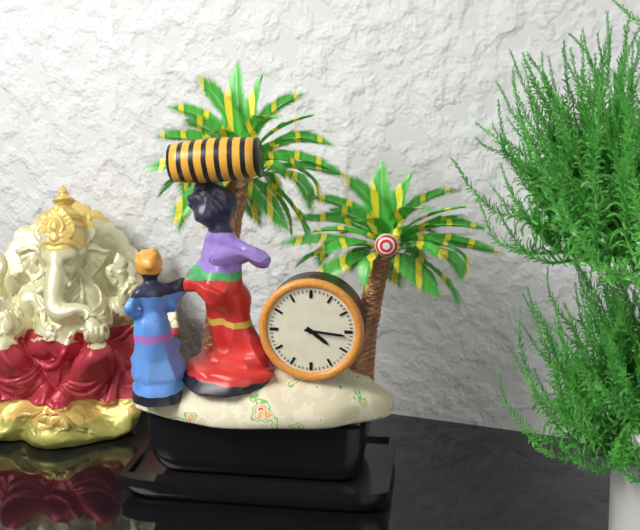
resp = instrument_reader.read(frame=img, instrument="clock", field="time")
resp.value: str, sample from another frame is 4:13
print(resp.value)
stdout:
4:16
